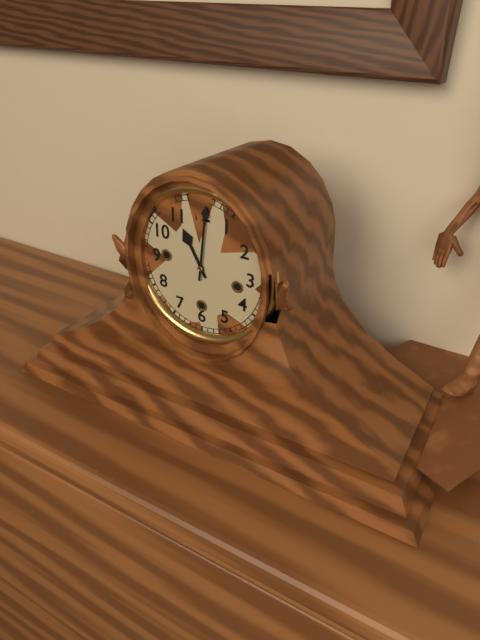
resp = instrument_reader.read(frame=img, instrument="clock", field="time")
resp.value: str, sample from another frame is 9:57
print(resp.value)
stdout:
11:01
